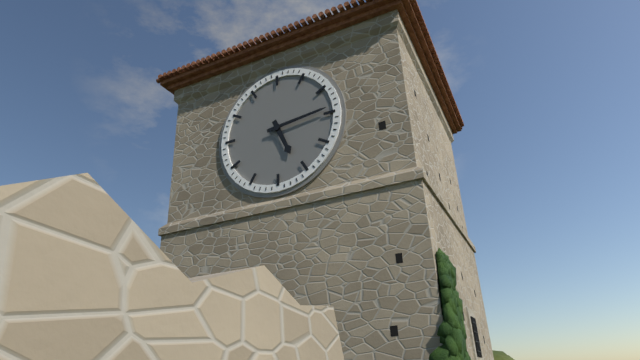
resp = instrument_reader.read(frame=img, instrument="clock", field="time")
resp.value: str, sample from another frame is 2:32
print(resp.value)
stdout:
5:14
